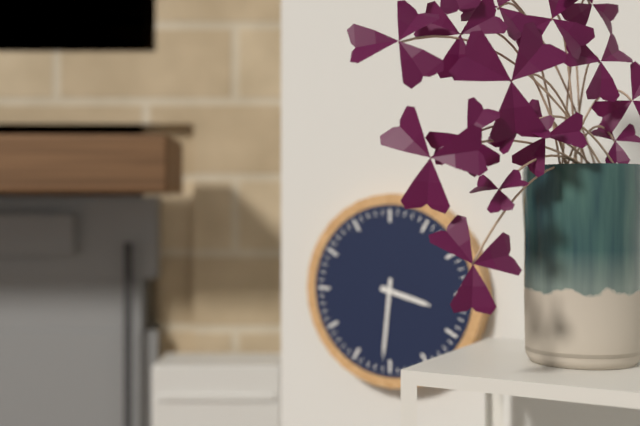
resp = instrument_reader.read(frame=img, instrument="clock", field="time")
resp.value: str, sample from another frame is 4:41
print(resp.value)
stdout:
3:31
